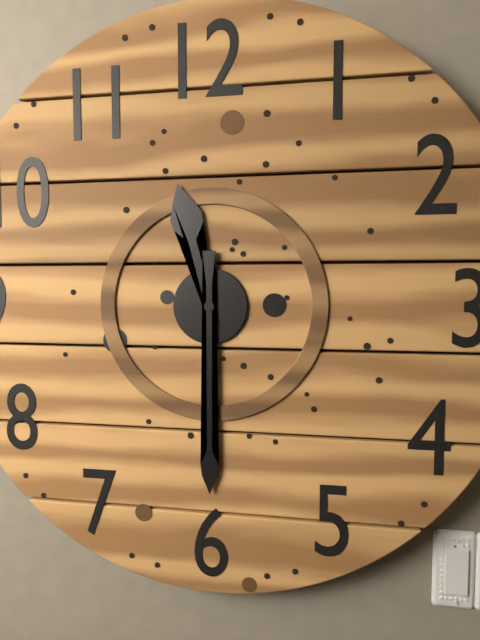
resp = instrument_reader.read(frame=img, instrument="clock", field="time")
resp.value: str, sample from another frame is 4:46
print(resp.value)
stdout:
11:30
